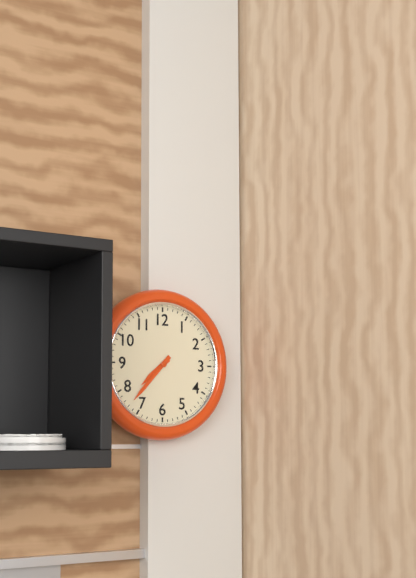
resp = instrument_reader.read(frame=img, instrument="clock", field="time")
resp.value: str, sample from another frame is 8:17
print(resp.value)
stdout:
7:37
